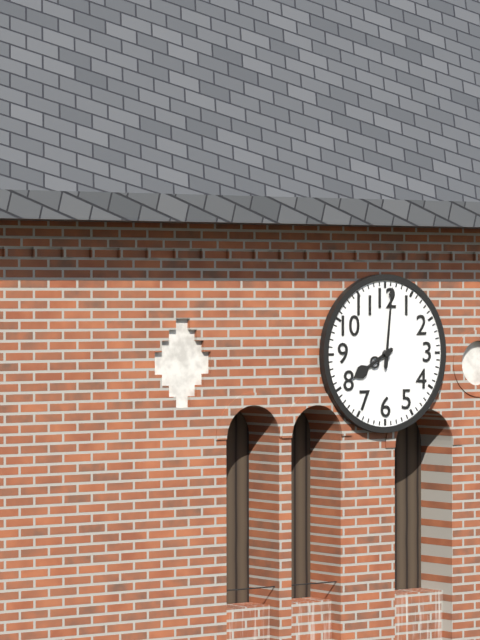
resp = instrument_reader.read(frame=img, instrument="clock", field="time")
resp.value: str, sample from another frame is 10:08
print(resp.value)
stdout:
8:01
